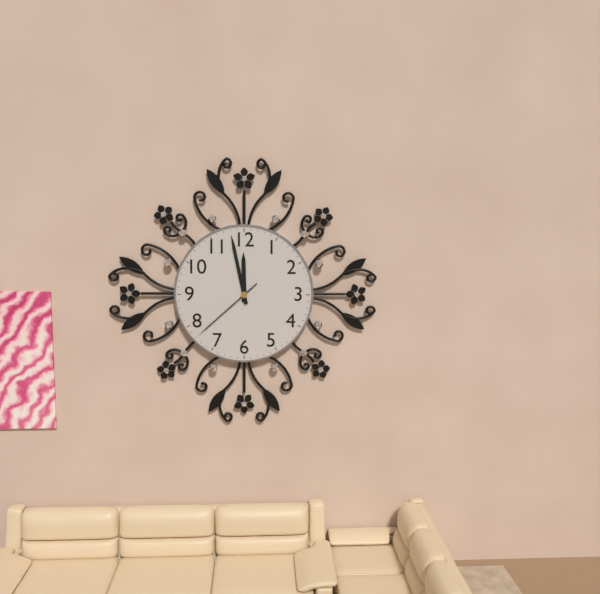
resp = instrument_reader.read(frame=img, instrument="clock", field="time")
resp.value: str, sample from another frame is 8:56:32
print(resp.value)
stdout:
11:58:38
